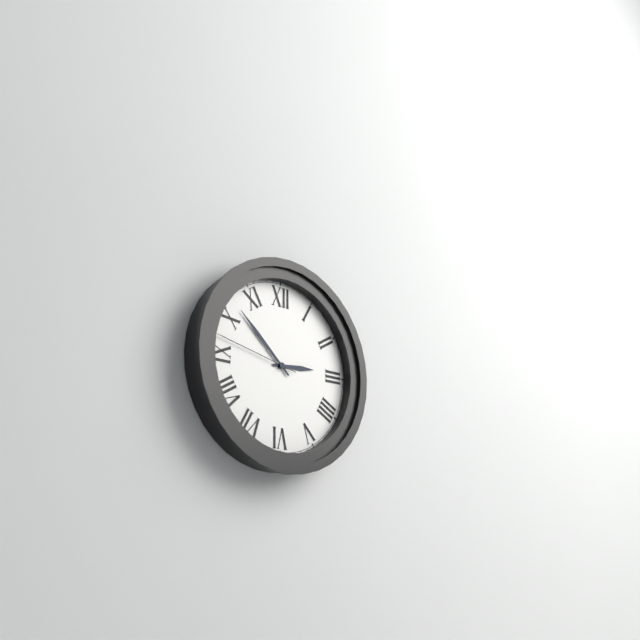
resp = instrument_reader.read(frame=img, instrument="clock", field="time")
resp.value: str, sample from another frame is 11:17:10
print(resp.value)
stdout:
2:52:47
